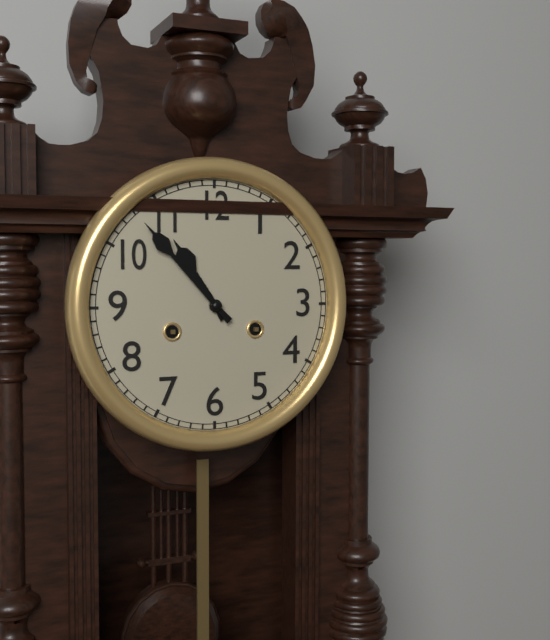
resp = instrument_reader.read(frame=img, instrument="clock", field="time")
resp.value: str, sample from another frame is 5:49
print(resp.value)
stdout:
10:53
